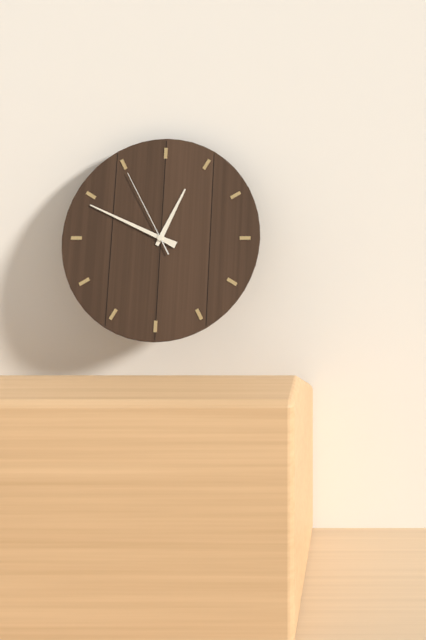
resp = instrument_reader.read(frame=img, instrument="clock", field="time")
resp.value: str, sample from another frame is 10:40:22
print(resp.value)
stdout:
12:49:55
